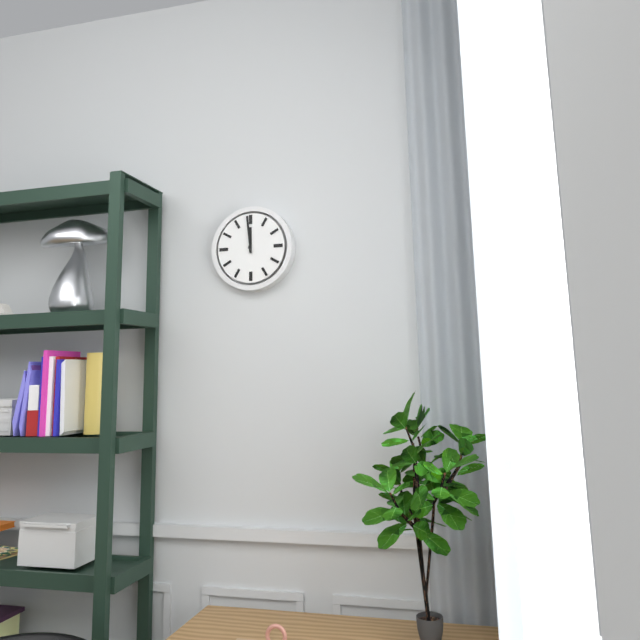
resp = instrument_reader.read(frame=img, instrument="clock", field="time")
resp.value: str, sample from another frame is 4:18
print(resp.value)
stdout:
11:59
